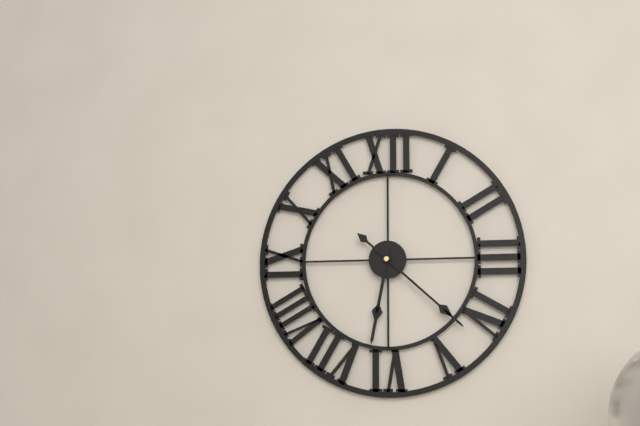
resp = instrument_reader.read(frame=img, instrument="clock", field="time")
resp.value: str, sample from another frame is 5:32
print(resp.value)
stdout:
6:22
